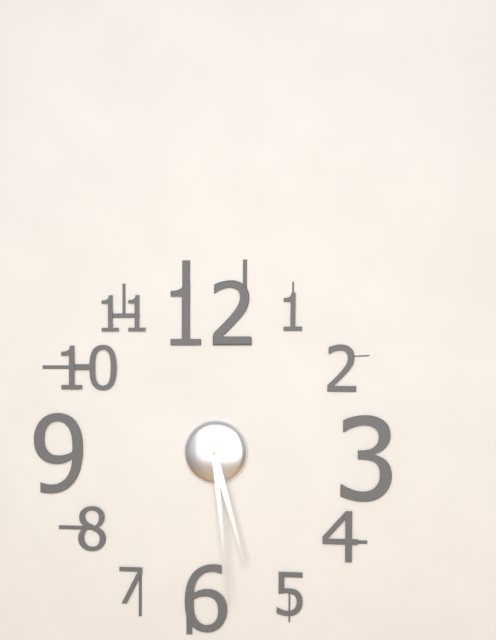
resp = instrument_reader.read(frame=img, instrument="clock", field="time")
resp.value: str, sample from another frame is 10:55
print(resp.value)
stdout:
5:29
